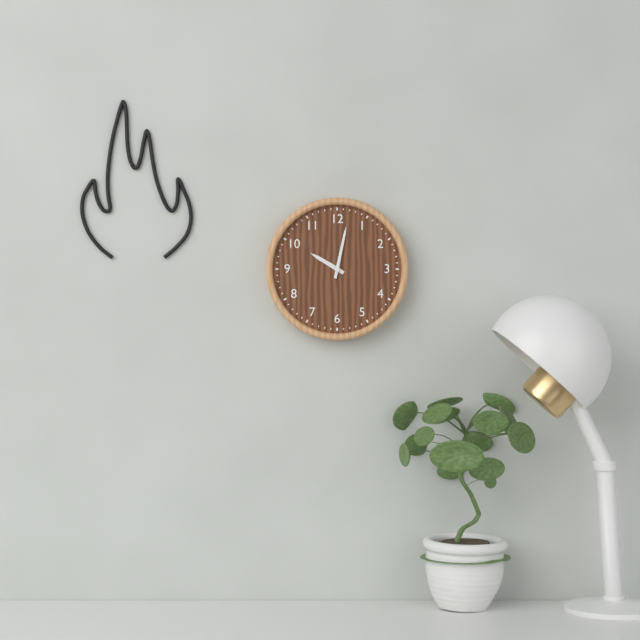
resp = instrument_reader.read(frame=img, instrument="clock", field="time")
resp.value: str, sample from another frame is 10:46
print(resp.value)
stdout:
10:02
